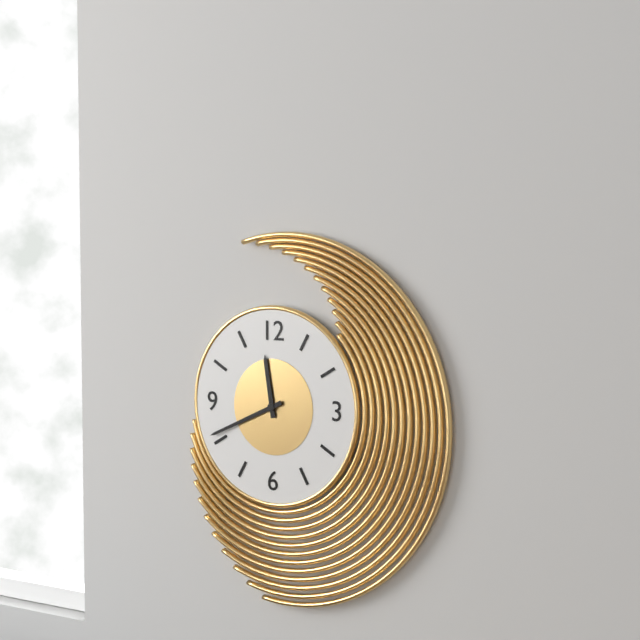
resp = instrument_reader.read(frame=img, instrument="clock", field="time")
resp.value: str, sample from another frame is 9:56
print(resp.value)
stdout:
11:41
